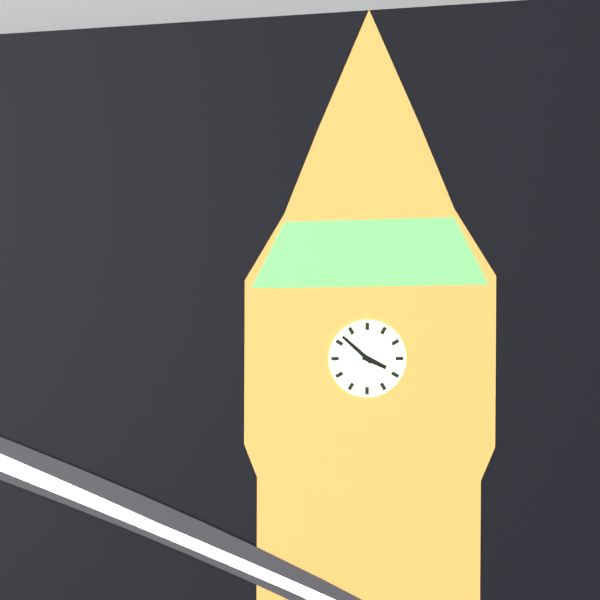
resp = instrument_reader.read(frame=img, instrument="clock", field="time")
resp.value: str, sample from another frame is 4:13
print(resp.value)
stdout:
3:52
